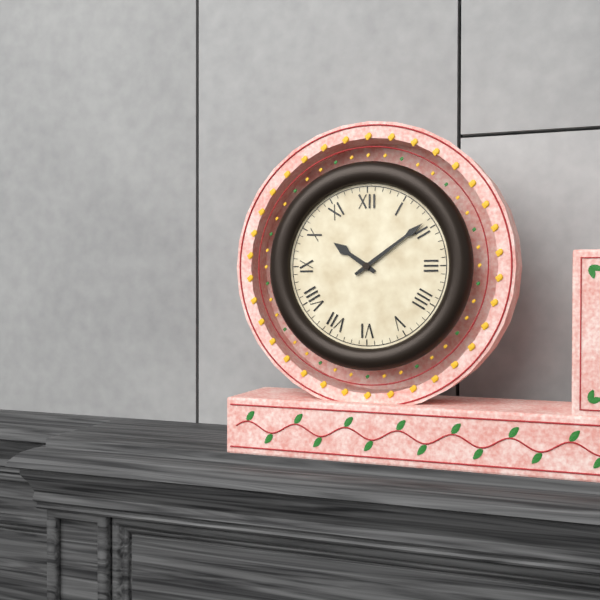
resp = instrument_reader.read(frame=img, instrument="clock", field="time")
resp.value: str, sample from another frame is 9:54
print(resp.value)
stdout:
10:09
